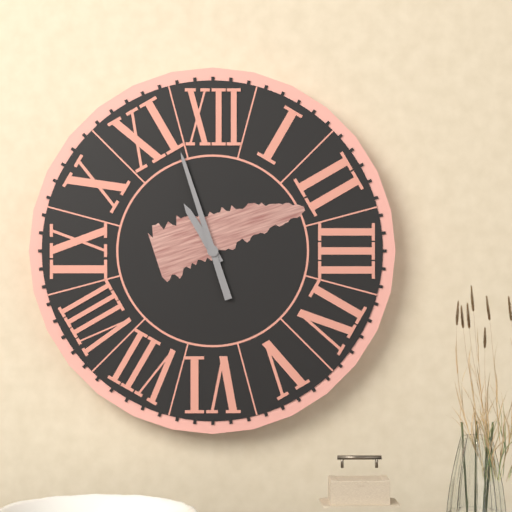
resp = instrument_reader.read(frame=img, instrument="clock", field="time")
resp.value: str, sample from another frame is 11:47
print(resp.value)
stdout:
10:57
